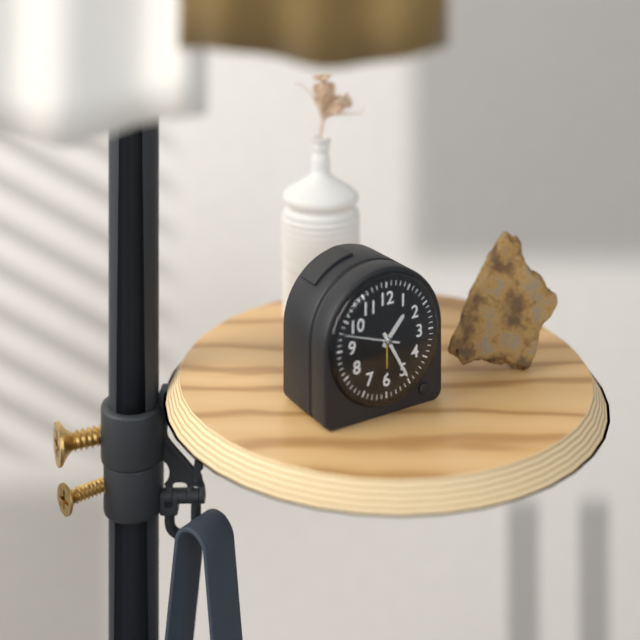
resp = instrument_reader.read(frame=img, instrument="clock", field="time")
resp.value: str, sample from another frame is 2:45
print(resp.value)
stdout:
1:25
